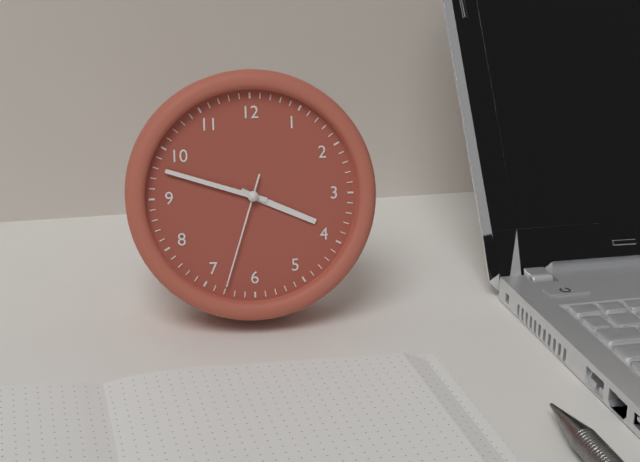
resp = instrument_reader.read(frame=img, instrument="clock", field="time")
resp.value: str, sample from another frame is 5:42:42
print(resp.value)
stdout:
3:48:33
